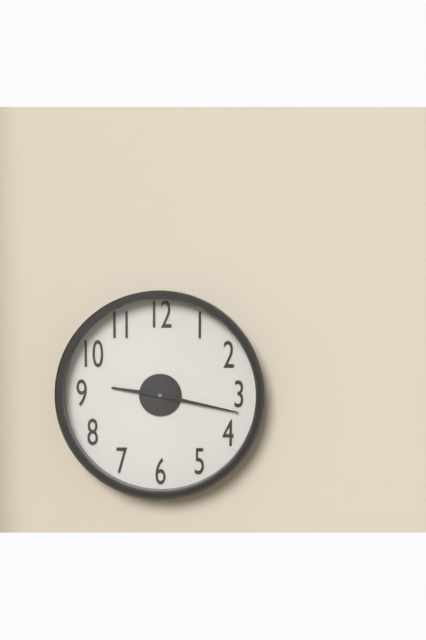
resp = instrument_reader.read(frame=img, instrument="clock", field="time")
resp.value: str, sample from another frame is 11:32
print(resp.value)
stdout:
9:17
